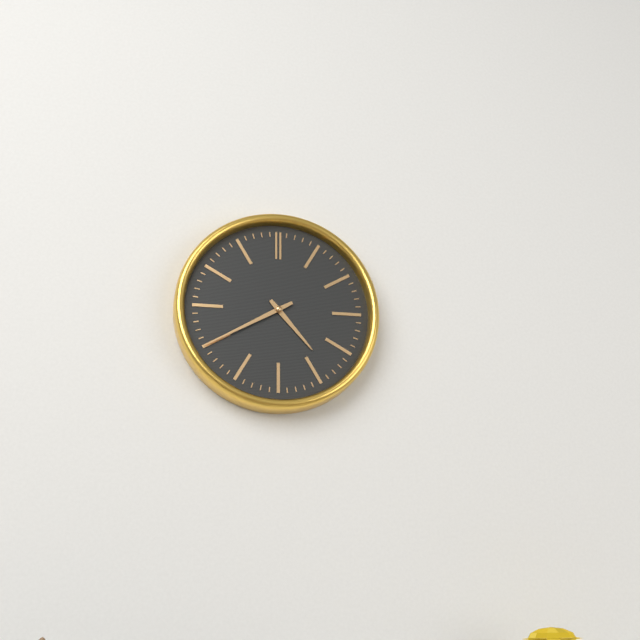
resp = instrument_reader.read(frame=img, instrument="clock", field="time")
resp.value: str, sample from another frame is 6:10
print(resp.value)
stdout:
4:40
